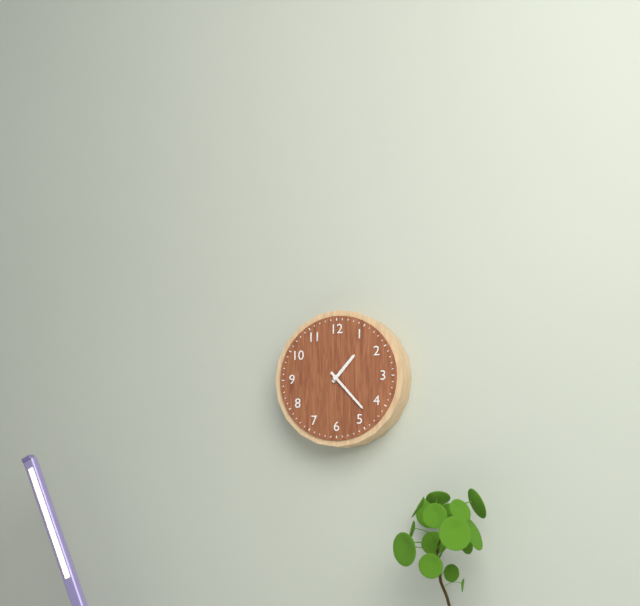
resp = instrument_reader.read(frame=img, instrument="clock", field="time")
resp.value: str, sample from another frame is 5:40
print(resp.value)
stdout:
1:23
